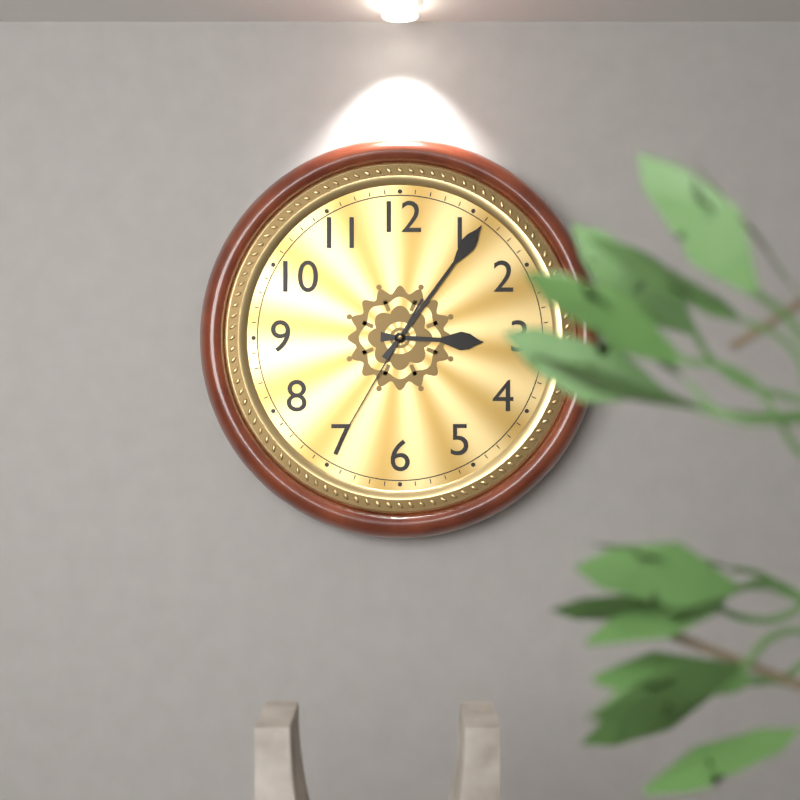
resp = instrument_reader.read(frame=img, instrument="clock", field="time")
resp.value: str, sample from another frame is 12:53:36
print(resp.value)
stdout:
3:06:35
